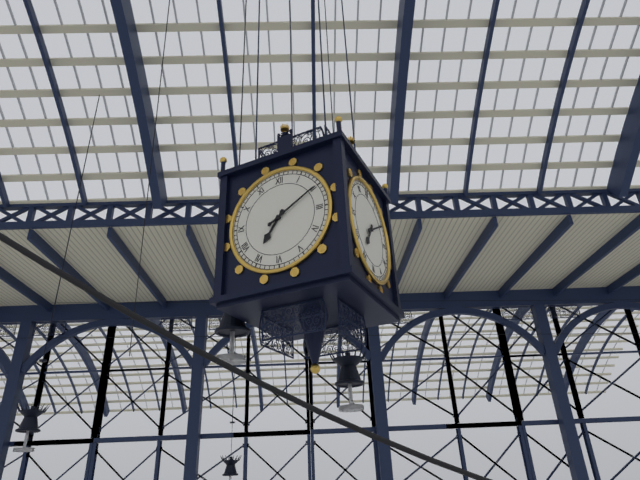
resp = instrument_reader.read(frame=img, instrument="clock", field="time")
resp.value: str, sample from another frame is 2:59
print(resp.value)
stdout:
7:10
